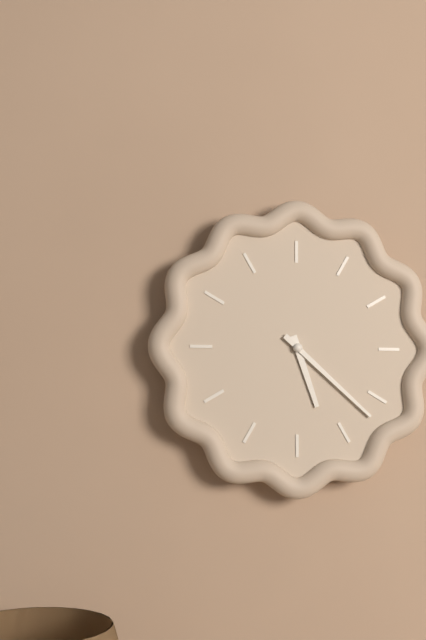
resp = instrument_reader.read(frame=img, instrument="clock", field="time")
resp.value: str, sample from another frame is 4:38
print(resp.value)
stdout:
5:22
